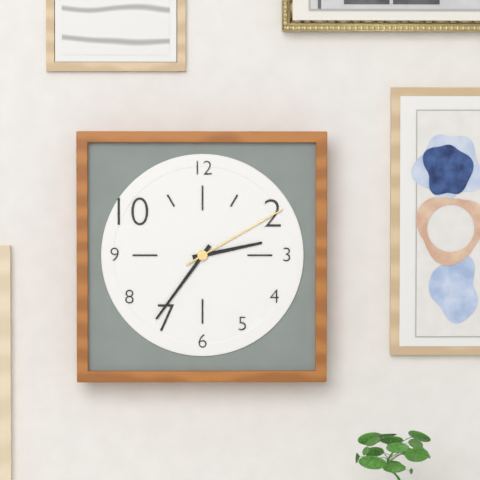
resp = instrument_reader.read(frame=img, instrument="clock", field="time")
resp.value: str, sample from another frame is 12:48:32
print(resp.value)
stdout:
2:36:10
